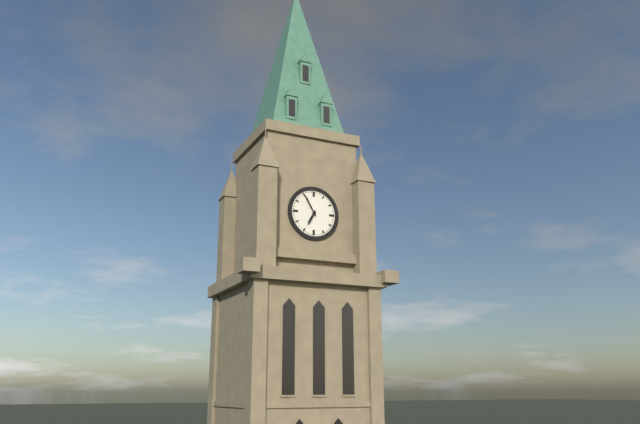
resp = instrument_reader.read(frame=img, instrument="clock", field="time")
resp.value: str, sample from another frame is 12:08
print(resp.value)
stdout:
6:55
